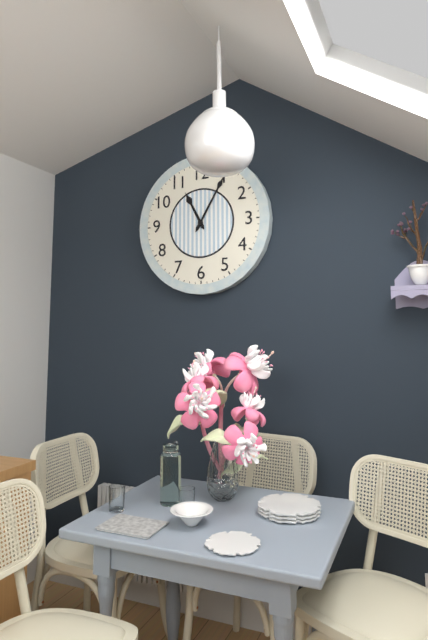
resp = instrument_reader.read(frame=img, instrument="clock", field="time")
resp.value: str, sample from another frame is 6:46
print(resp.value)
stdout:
11:05
